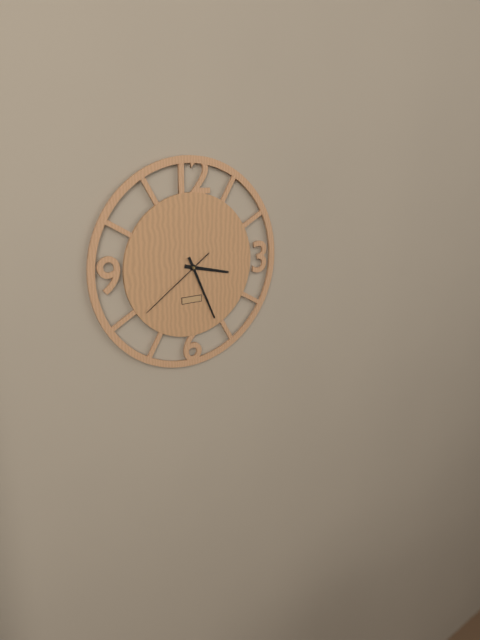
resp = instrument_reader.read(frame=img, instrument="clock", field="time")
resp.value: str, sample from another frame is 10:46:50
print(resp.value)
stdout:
3:26:39
